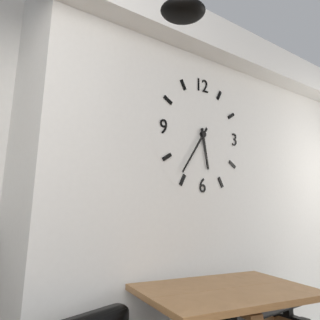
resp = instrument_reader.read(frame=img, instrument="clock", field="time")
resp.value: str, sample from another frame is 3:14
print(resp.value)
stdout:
5:36
